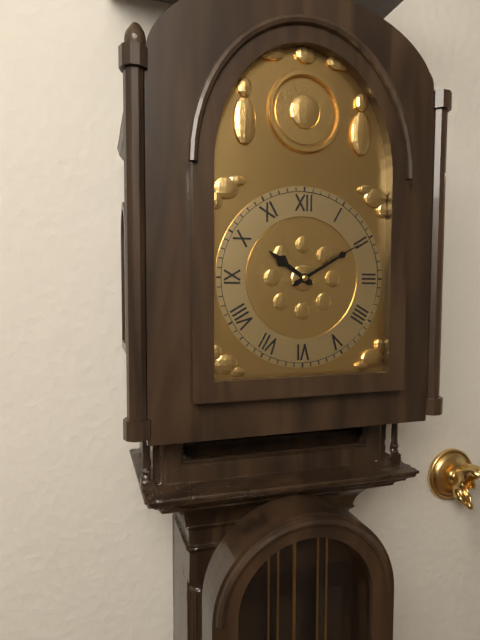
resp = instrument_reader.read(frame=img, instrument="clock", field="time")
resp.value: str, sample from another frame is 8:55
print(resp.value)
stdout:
10:10
